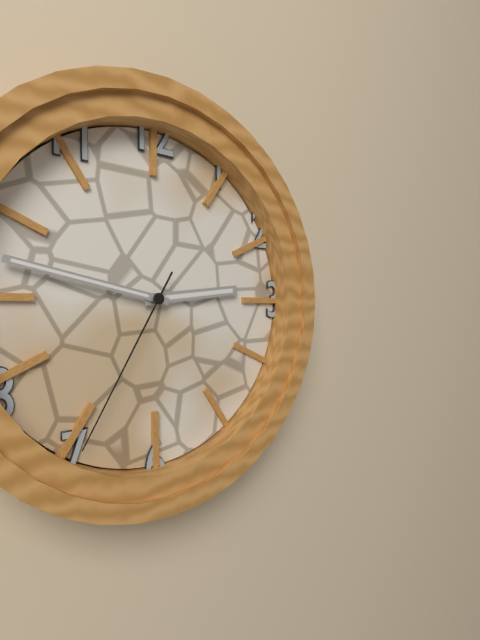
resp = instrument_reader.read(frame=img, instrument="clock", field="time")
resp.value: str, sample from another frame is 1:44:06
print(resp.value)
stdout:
2:47:35
